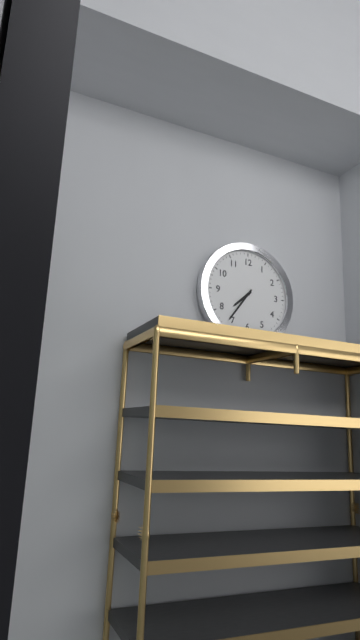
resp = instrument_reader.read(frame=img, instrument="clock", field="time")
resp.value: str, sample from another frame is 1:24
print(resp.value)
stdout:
7:36
